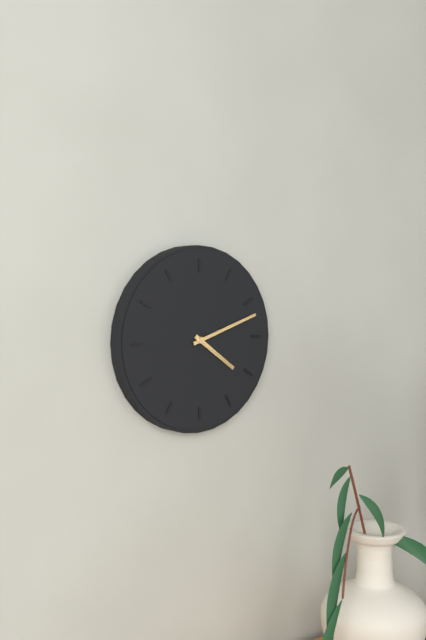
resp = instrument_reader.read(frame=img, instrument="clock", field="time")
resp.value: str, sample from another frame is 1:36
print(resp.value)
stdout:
4:12
